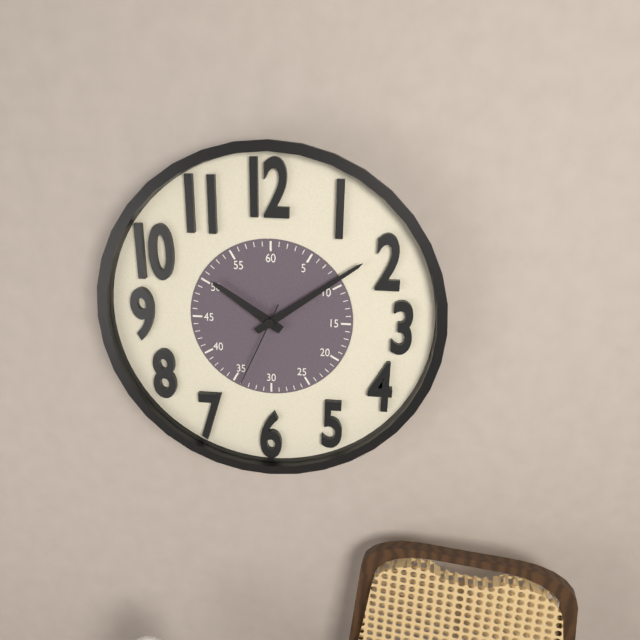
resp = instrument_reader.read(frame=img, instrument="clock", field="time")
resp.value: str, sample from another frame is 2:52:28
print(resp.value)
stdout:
10:09:34
